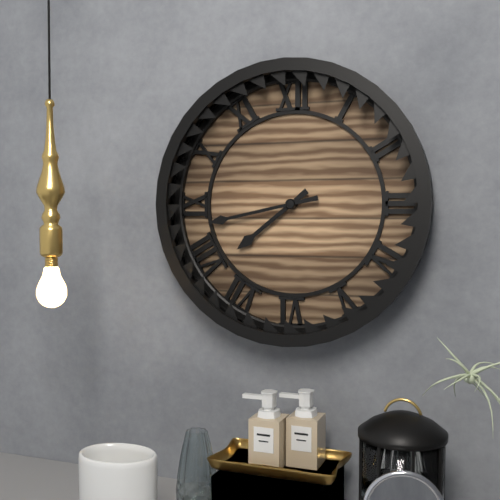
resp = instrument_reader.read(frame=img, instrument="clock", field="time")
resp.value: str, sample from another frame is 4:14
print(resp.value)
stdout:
7:43
